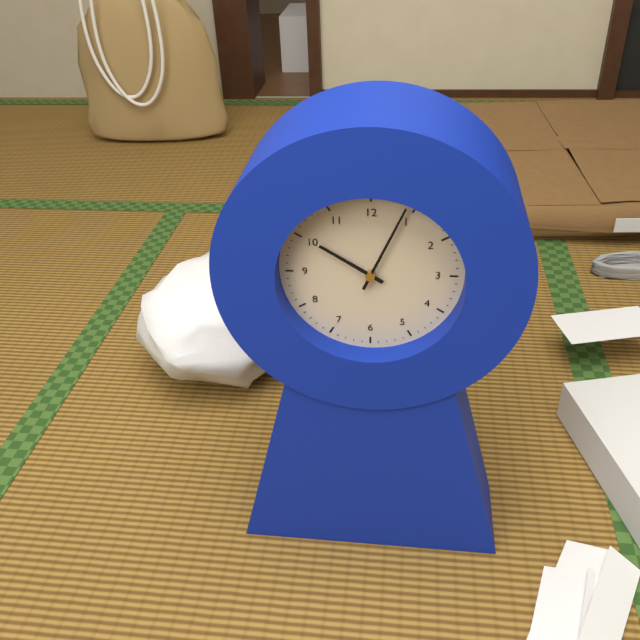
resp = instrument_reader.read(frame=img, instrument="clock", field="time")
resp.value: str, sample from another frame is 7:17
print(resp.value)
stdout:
10:04
